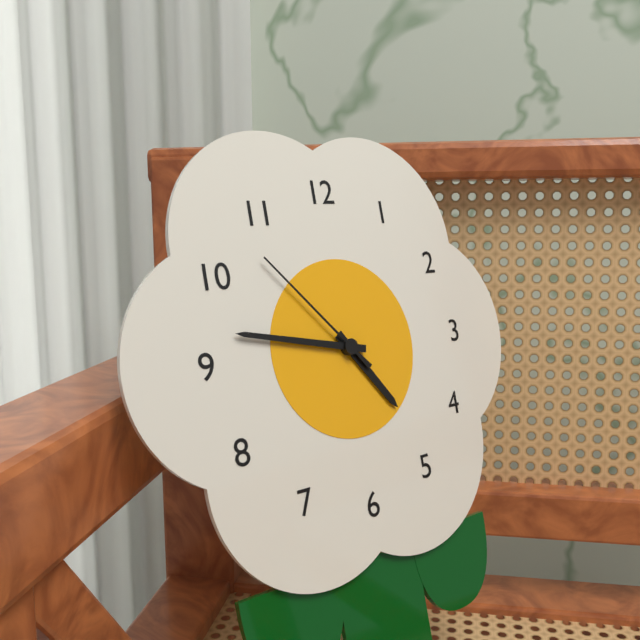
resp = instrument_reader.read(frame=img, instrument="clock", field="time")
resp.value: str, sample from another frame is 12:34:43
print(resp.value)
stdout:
4:47:53
